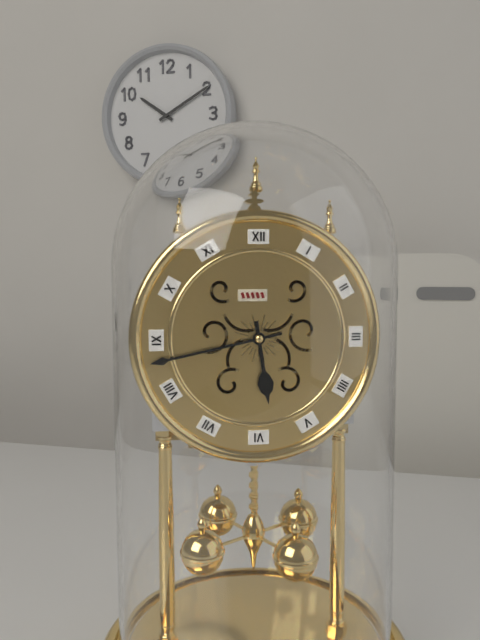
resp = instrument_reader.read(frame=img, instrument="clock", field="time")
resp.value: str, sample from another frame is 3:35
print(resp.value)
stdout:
5:43
